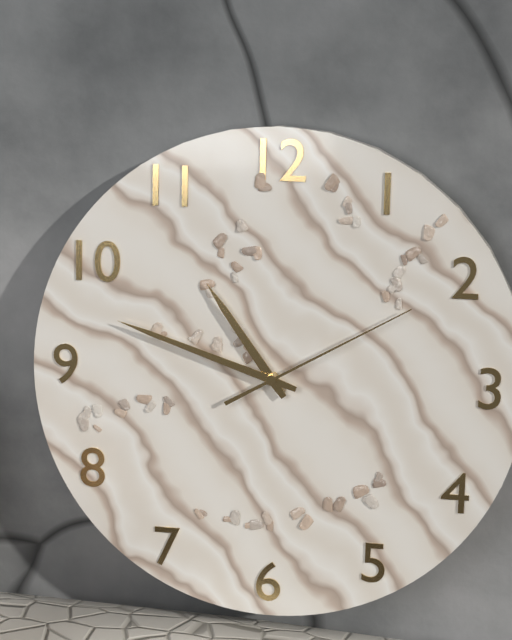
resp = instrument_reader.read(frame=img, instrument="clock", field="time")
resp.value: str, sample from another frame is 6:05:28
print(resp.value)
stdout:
10:48:10
